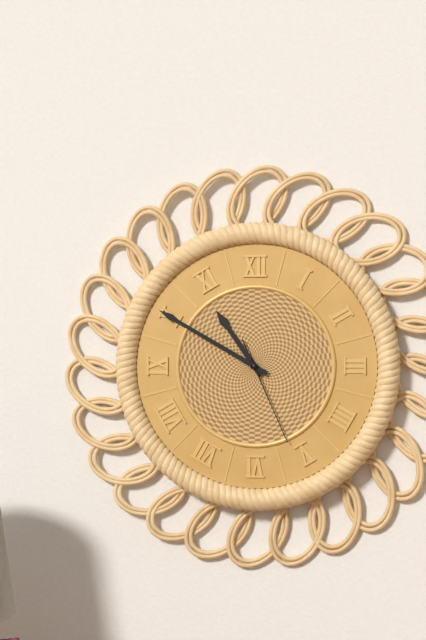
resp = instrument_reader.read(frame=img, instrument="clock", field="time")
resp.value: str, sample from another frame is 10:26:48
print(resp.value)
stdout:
10:50:26
